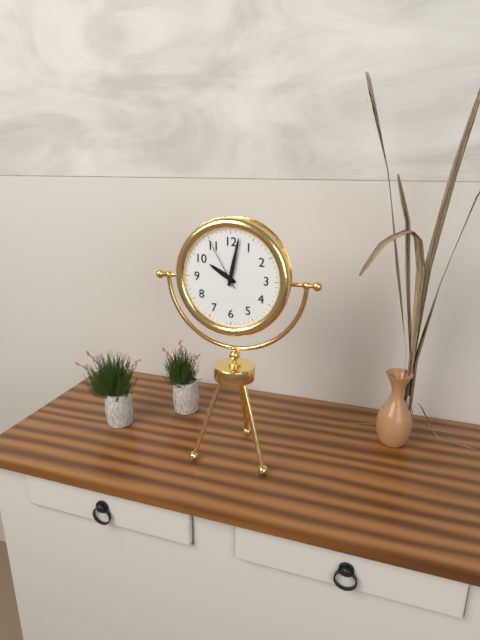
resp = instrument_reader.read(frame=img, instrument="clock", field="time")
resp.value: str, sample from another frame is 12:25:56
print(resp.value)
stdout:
10:02:55
